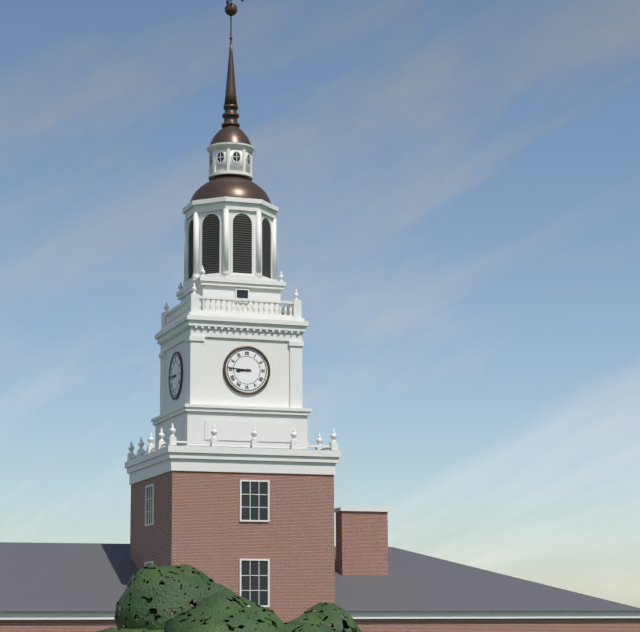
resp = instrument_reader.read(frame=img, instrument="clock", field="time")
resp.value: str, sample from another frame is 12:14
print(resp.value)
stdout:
8:46
